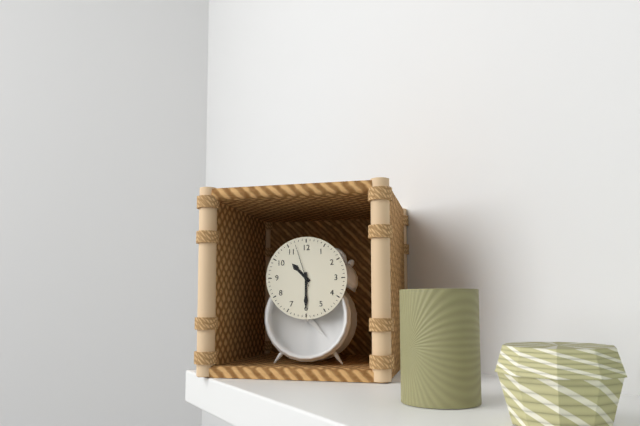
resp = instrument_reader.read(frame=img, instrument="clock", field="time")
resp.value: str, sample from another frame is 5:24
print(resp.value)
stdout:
10:30
